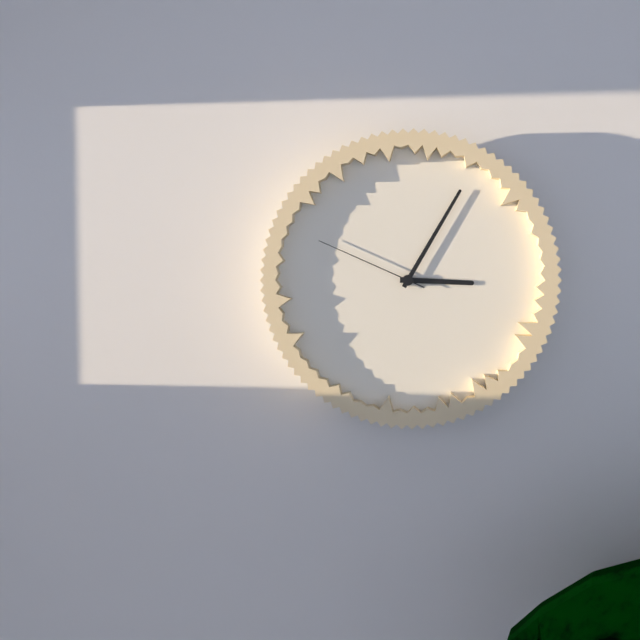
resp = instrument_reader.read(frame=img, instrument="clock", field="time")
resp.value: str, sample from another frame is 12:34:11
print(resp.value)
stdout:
3:05:49
